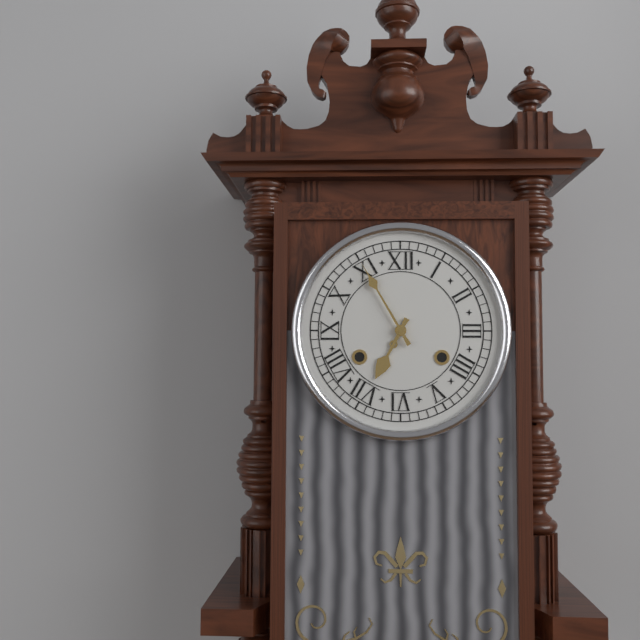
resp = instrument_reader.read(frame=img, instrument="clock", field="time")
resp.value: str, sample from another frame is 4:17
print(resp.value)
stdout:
6:55
